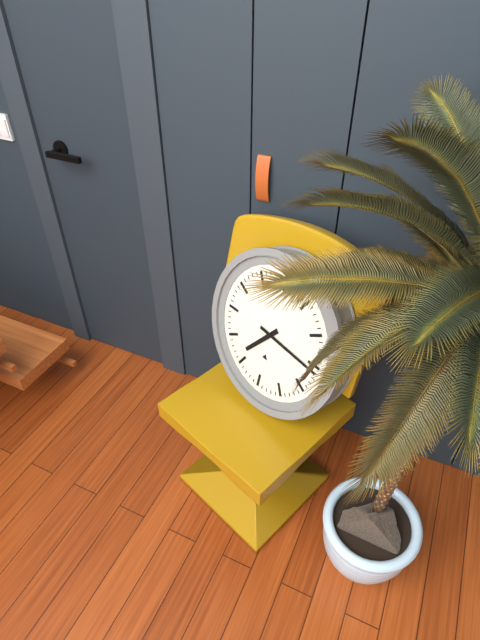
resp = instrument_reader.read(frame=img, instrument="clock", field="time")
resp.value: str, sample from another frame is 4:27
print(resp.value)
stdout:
7:16
